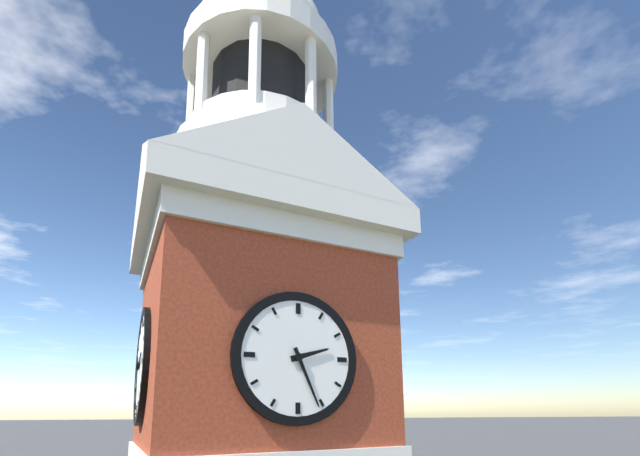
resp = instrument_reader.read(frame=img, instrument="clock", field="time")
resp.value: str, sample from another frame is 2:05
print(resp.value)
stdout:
2:26
